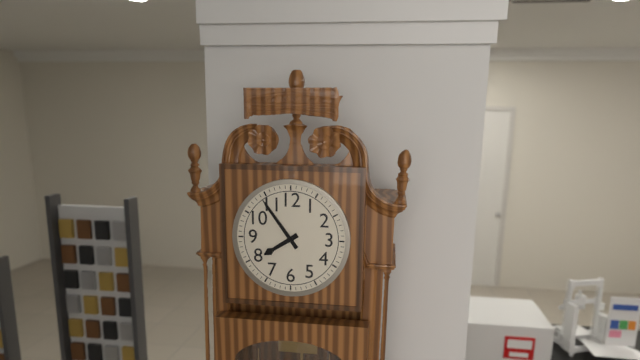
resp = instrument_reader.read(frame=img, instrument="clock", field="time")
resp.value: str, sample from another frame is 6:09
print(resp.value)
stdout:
7:54
